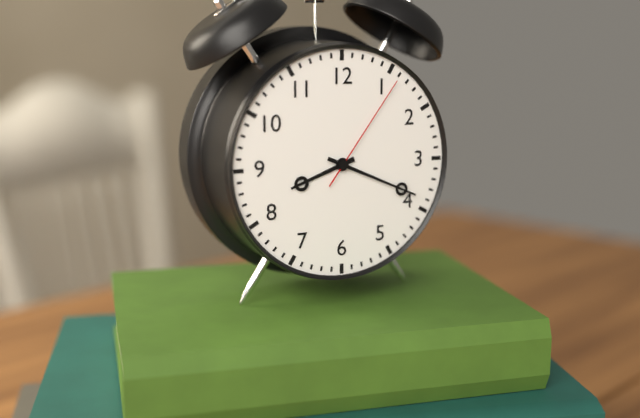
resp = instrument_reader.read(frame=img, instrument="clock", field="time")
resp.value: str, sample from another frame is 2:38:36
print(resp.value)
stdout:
8:19:06
